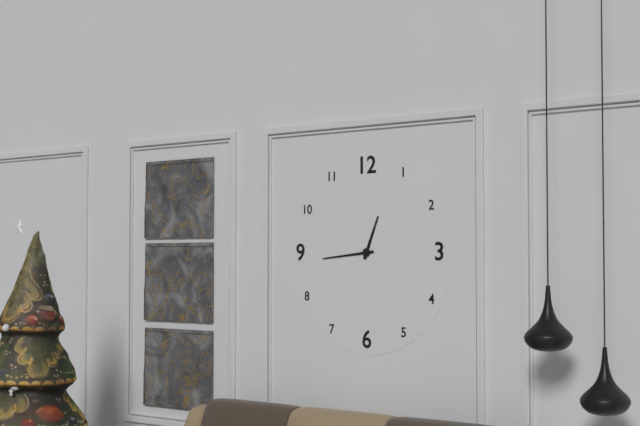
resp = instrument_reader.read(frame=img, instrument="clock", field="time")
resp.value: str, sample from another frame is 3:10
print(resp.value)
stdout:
12:44
